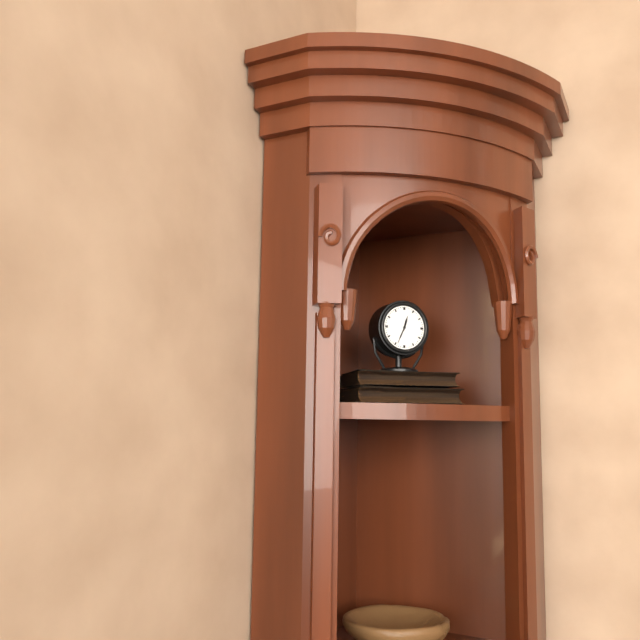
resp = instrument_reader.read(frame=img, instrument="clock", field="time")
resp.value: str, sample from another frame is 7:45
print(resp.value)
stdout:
12:34
